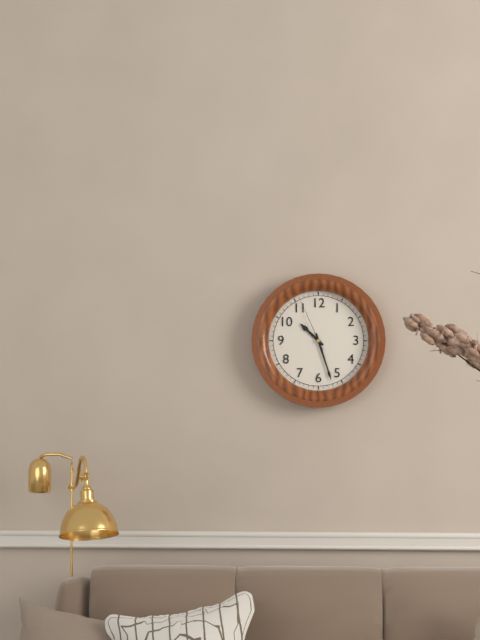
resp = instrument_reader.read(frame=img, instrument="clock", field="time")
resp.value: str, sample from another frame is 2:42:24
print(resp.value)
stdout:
10:27:56
